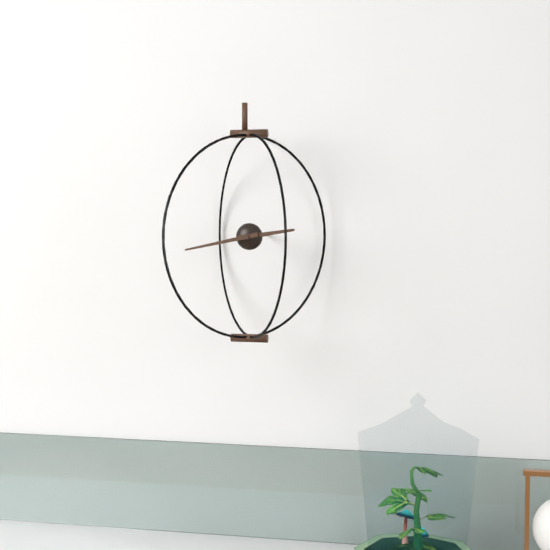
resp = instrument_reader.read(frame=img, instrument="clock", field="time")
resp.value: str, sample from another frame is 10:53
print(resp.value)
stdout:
2:43
